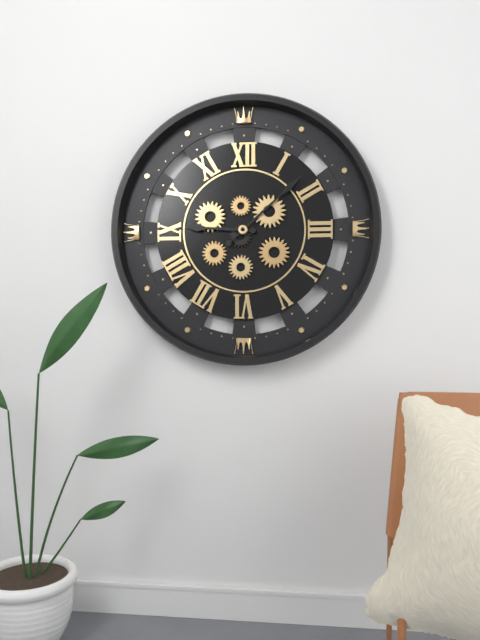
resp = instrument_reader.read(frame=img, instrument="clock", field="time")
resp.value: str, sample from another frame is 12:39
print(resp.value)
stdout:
9:08
